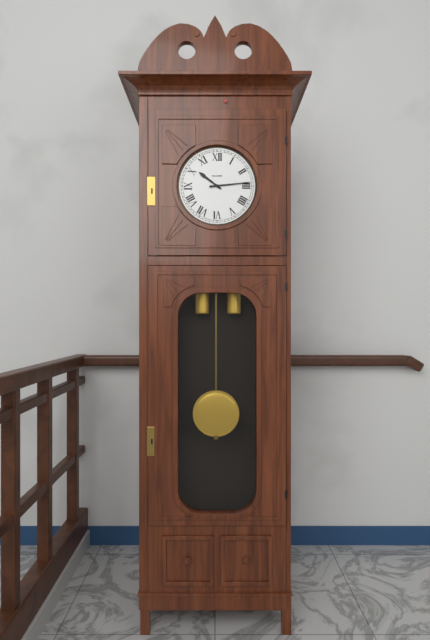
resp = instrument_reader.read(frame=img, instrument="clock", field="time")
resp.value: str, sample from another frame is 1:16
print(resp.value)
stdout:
10:14
